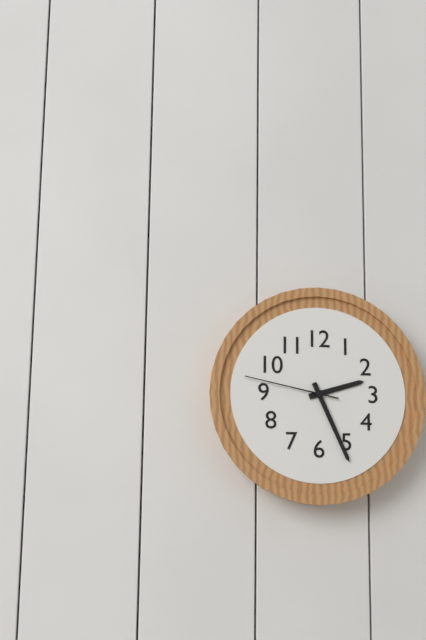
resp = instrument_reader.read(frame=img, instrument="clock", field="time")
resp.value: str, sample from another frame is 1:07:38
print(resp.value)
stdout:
2:26:47
